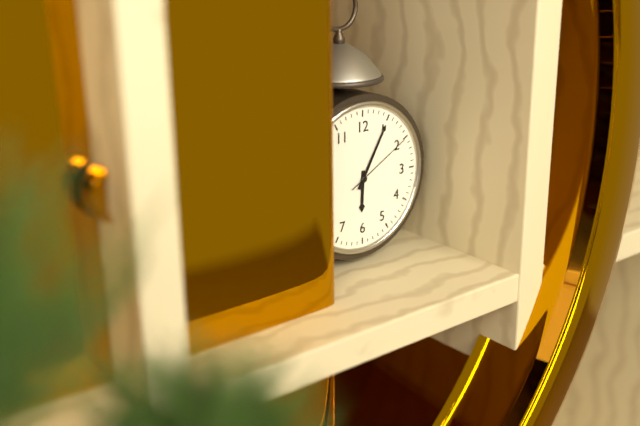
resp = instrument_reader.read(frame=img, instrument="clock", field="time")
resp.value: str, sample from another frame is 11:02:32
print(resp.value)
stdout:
6:05:10
